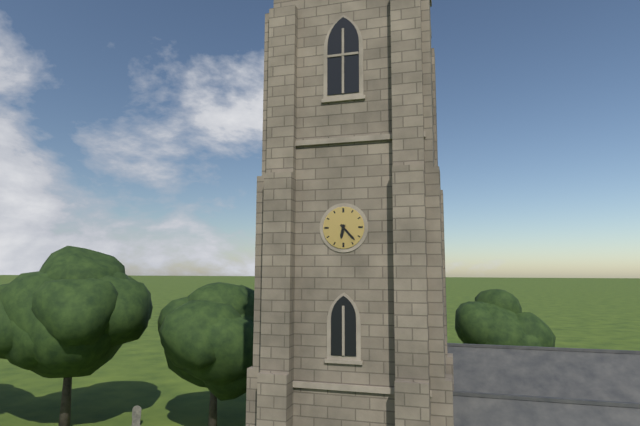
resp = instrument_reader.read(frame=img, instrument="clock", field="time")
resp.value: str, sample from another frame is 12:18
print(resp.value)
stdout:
6:23
